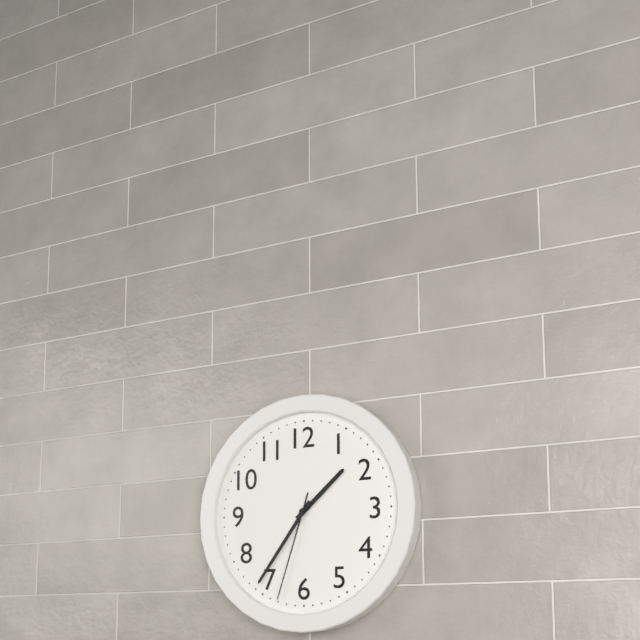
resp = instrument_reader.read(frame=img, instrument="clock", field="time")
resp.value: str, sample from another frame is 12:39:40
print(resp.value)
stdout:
1:36:33
